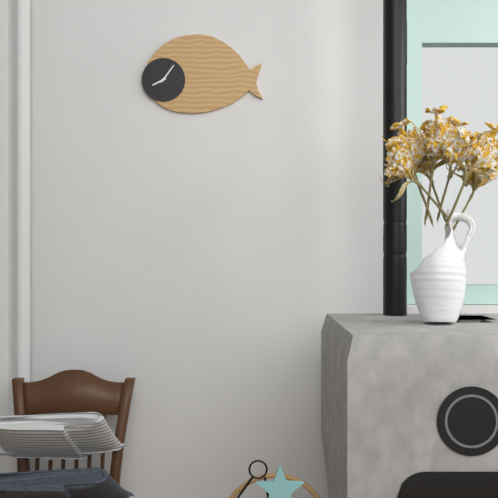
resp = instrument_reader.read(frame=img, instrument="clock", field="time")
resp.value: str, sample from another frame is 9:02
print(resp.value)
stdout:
8:06
